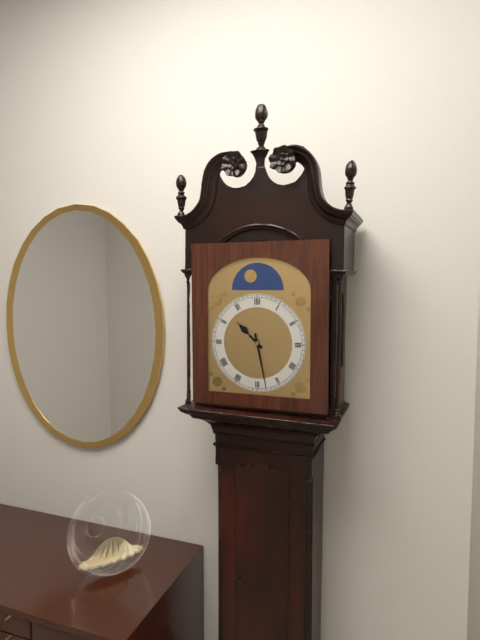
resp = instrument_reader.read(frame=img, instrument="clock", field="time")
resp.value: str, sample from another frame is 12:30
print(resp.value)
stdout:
10:28
